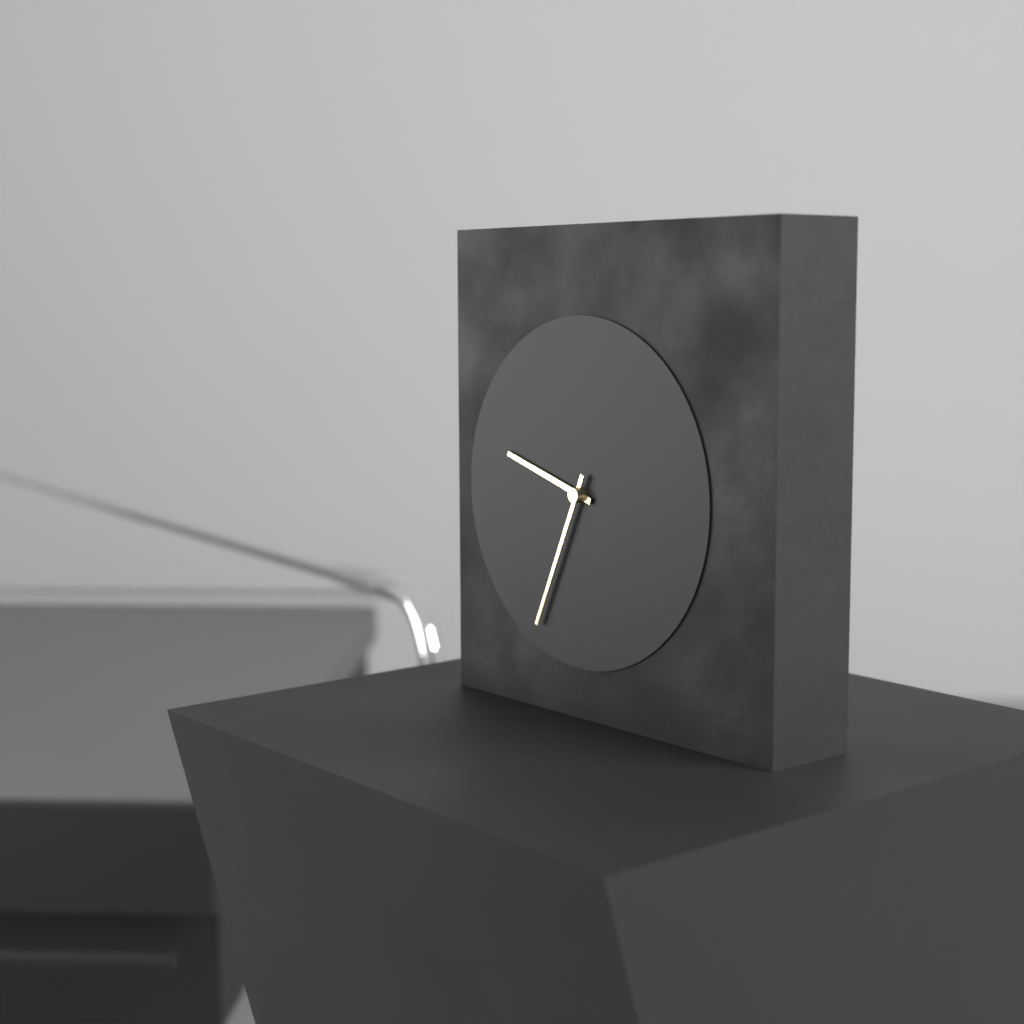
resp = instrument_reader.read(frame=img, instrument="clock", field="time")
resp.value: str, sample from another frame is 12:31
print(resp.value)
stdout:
9:34
